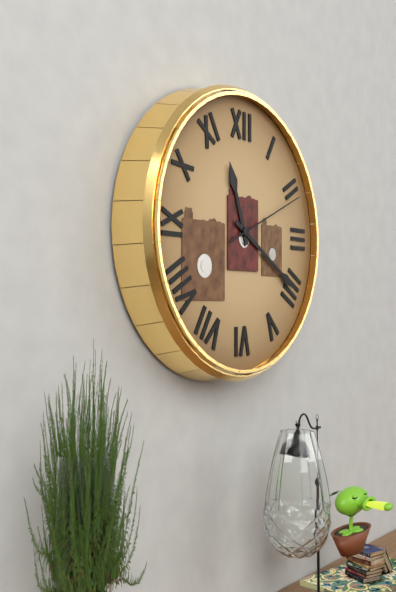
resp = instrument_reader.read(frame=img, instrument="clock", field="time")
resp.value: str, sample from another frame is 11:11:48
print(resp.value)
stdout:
11:20:11
